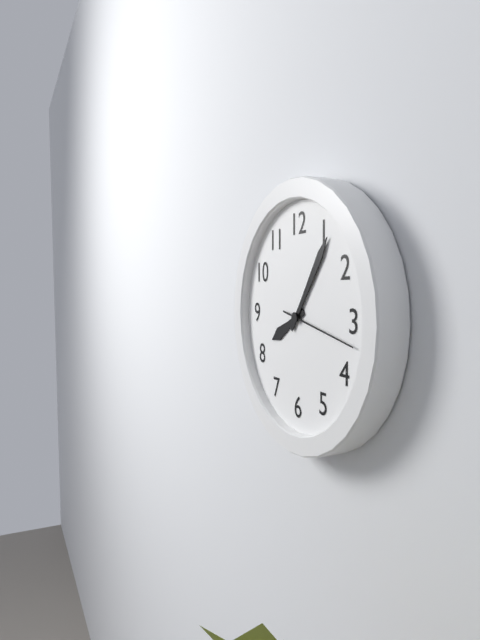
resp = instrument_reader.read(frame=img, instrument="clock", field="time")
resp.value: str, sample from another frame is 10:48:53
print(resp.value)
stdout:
8:06:17
